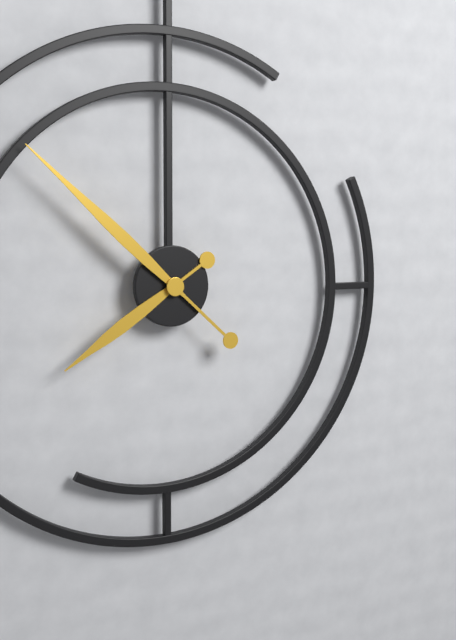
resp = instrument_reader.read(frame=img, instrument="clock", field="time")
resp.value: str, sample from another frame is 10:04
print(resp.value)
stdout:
7:52
